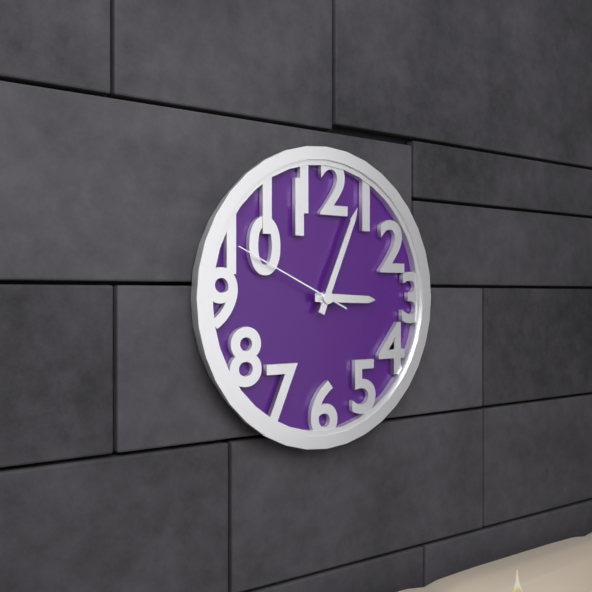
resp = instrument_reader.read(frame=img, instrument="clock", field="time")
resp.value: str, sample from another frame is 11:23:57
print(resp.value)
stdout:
3:04:49
